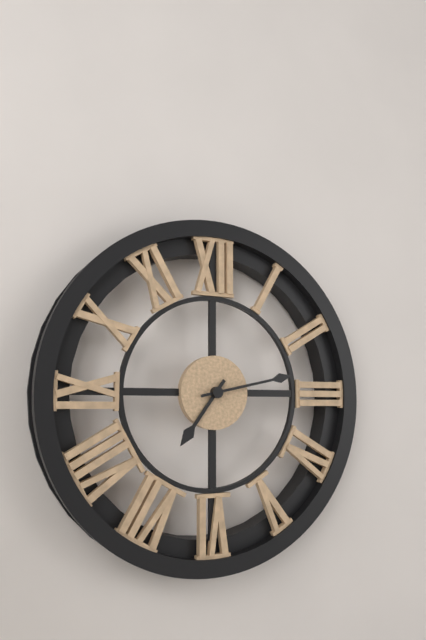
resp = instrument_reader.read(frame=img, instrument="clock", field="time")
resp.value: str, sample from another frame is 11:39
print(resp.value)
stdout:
7:13
